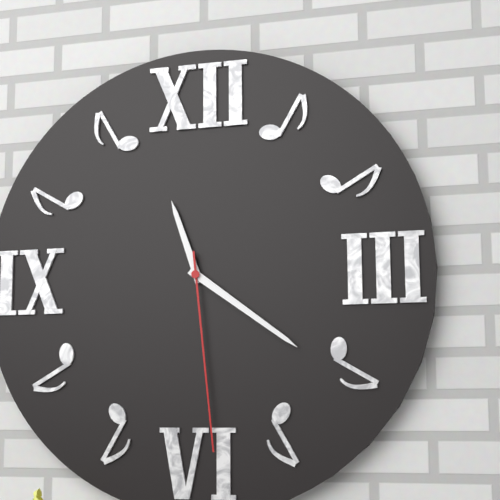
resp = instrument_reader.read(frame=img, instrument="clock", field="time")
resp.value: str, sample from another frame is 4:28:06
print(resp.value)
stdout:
11:21:29
